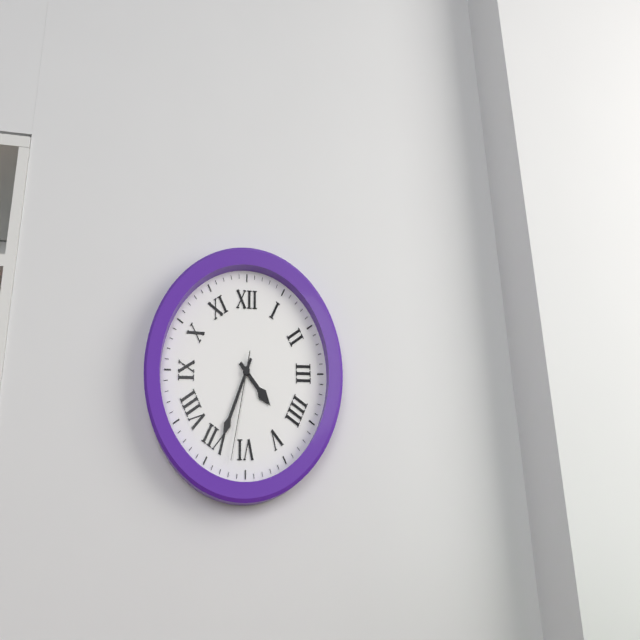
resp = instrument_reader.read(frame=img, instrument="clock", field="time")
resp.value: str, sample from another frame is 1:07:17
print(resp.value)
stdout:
4:34:32
